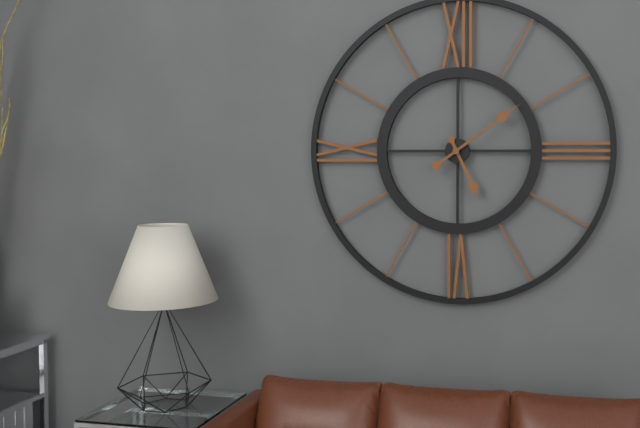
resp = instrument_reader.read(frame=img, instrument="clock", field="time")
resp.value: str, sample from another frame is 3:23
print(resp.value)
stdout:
5:09
